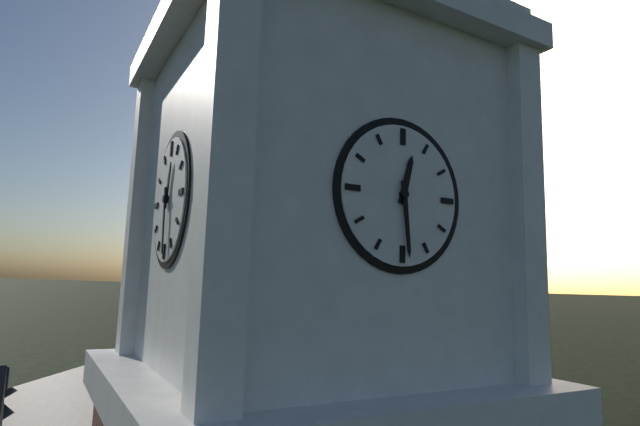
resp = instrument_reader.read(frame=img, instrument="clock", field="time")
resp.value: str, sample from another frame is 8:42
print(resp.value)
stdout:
12:29
